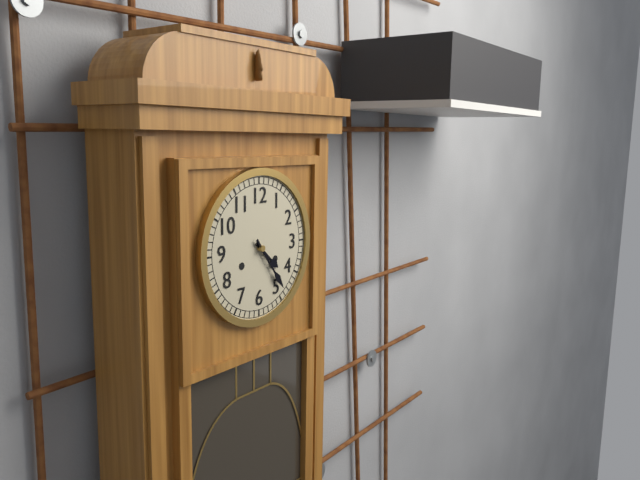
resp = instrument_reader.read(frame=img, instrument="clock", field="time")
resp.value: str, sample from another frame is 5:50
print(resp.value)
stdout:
4:24
